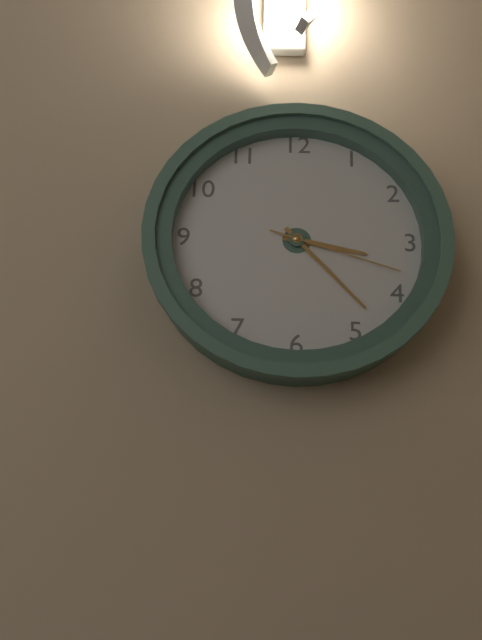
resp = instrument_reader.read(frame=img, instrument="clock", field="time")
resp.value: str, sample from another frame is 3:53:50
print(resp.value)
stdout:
3:23:18
